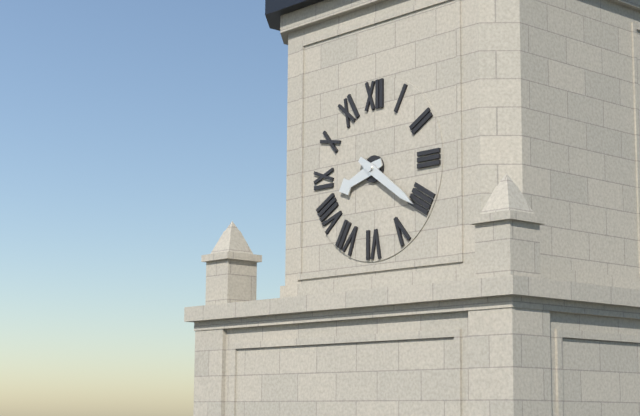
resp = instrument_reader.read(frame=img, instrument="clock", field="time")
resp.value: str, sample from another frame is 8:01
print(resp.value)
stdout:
8:21
